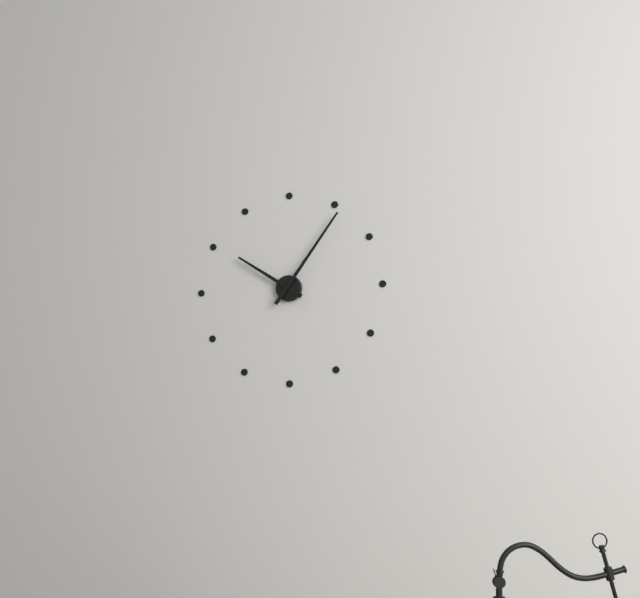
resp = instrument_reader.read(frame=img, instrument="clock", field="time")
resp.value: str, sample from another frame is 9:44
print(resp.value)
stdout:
10:06
